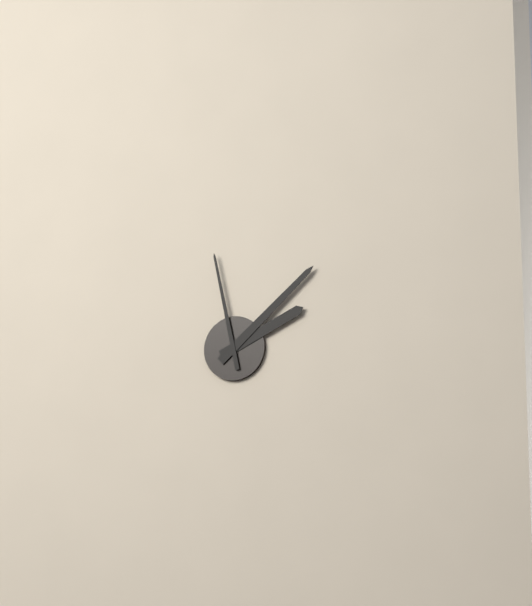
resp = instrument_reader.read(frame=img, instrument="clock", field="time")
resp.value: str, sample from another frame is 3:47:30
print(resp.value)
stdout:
2:08:58
